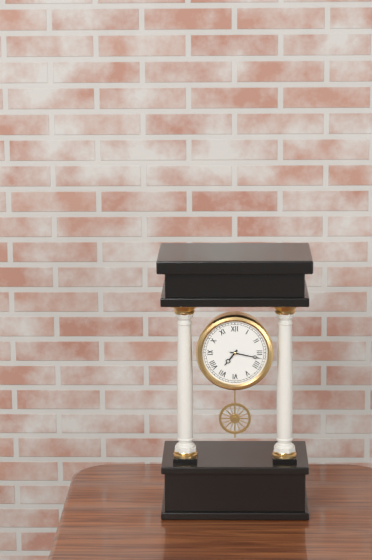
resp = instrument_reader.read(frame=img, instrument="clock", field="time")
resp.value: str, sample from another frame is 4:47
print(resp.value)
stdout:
7:17
